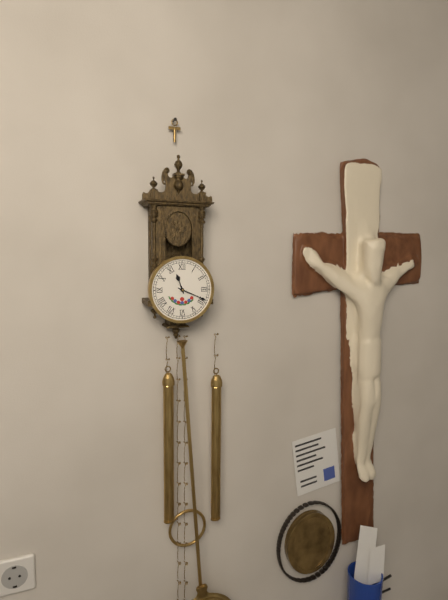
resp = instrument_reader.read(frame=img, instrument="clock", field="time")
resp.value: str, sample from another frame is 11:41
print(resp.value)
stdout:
11:19
